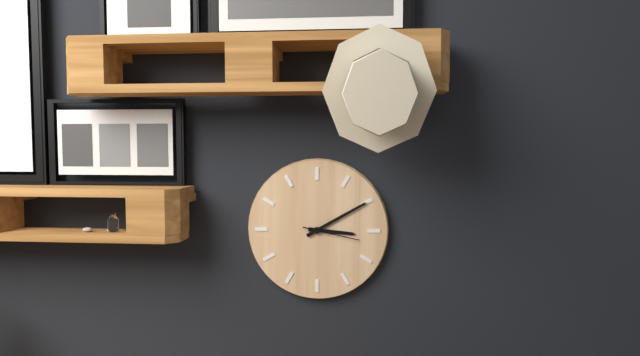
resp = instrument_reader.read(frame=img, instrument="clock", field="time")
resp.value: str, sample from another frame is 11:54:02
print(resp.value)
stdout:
3:10:17
